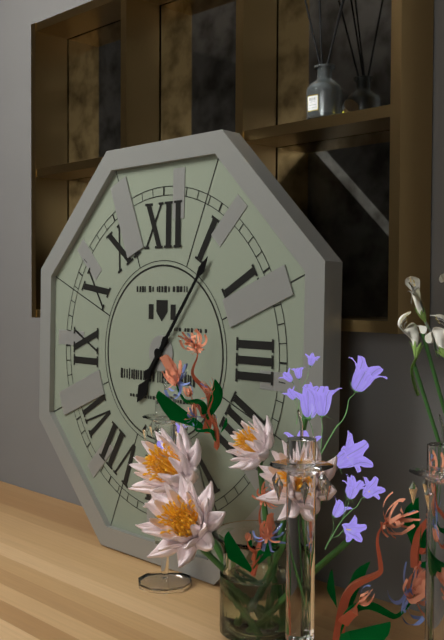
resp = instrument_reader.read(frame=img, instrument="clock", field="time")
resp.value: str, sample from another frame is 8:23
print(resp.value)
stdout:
7:06
